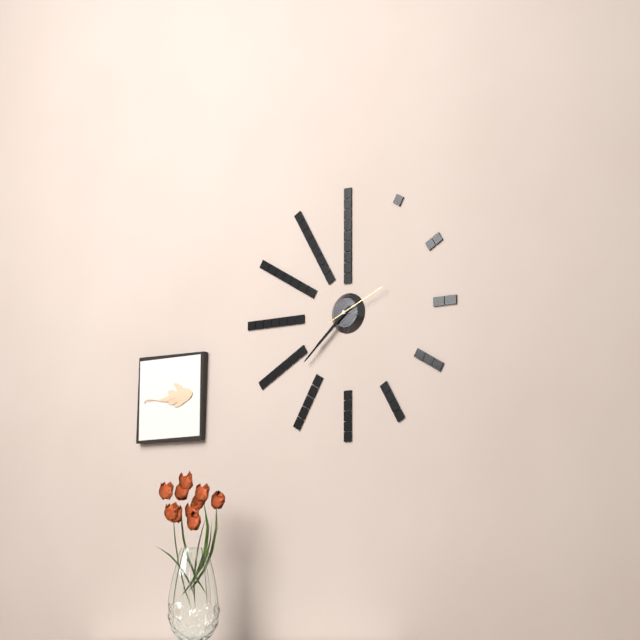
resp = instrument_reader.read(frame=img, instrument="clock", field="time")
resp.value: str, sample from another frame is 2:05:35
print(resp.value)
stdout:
7:38:11
